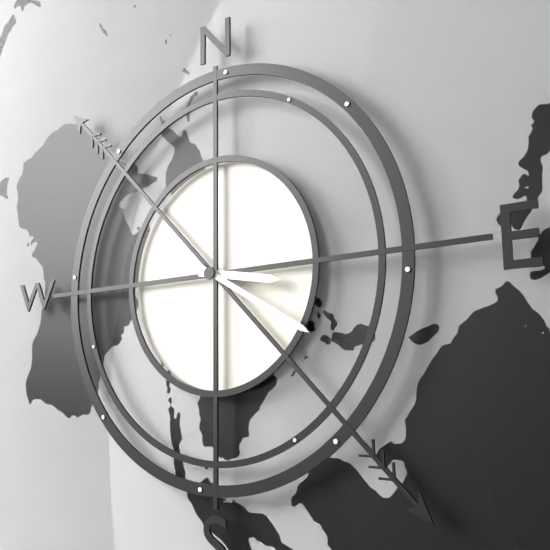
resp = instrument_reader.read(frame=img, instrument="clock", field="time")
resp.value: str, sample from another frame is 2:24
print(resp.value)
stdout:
3:20
